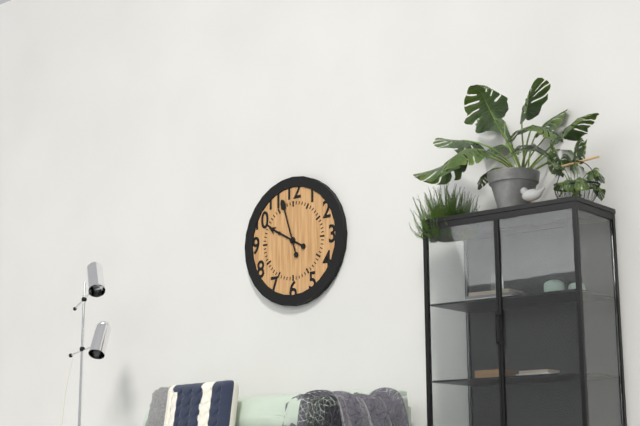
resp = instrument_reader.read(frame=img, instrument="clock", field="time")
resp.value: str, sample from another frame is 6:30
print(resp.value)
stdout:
9:57
